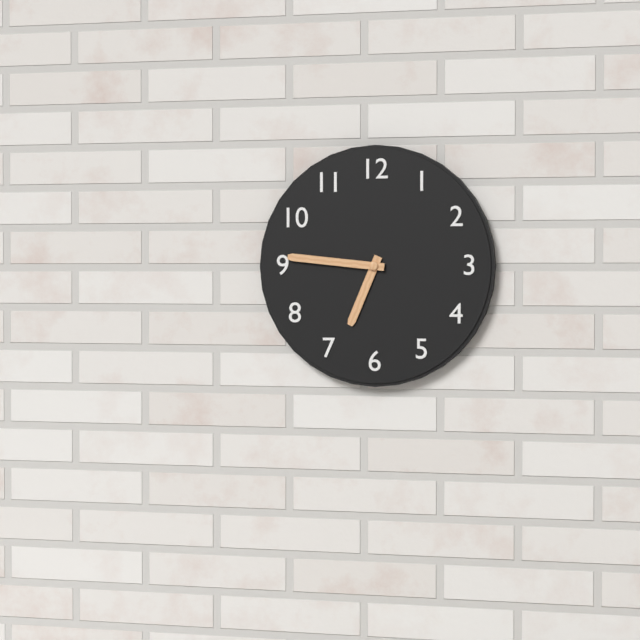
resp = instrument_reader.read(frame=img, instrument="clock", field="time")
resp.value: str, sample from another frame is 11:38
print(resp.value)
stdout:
6:46
